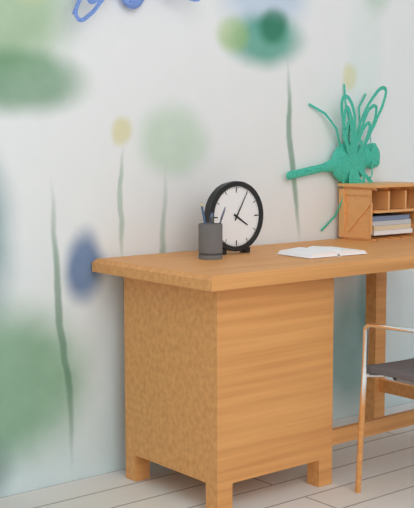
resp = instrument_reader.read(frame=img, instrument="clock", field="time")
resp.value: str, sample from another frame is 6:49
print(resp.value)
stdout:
4:05
